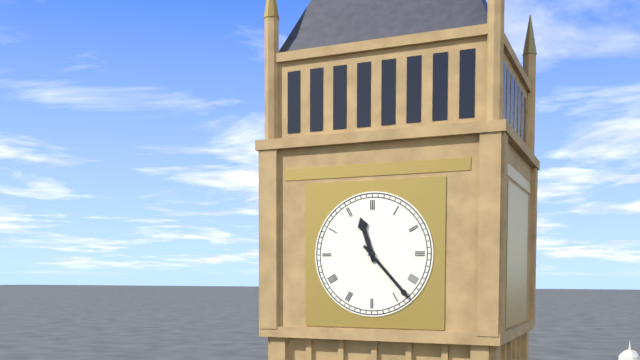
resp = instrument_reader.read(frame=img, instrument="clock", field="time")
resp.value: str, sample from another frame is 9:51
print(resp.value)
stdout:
11:23
